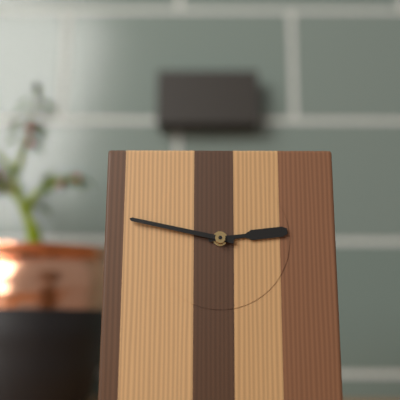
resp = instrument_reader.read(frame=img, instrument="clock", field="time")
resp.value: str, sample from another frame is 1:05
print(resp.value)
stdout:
2:47
